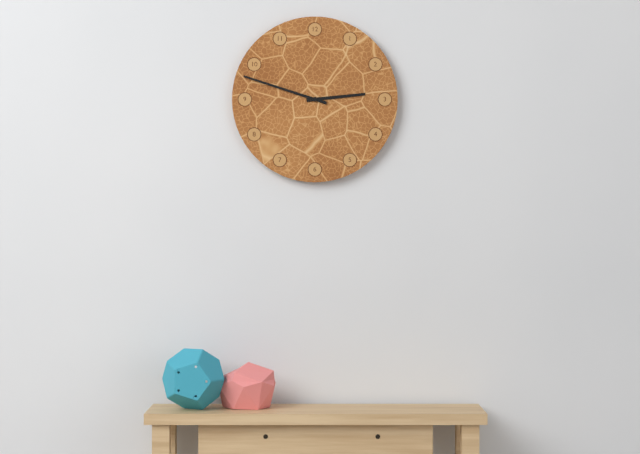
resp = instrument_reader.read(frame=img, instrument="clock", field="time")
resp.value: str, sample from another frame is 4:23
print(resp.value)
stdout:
2:48
